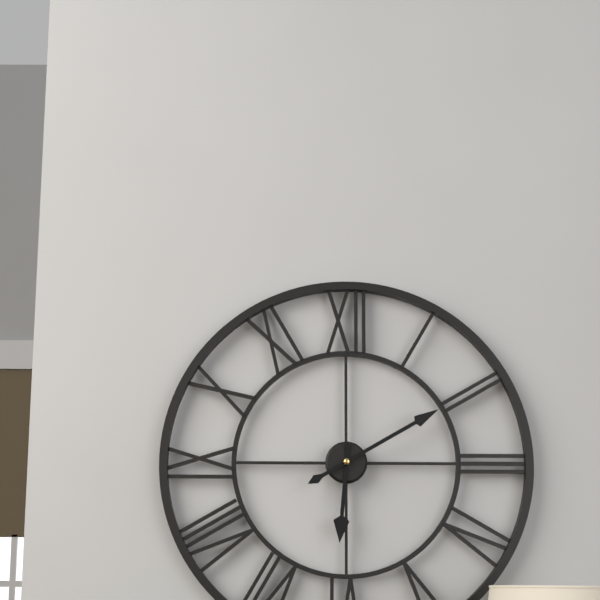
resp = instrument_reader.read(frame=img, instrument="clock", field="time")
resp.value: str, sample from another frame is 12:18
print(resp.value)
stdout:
6:10
